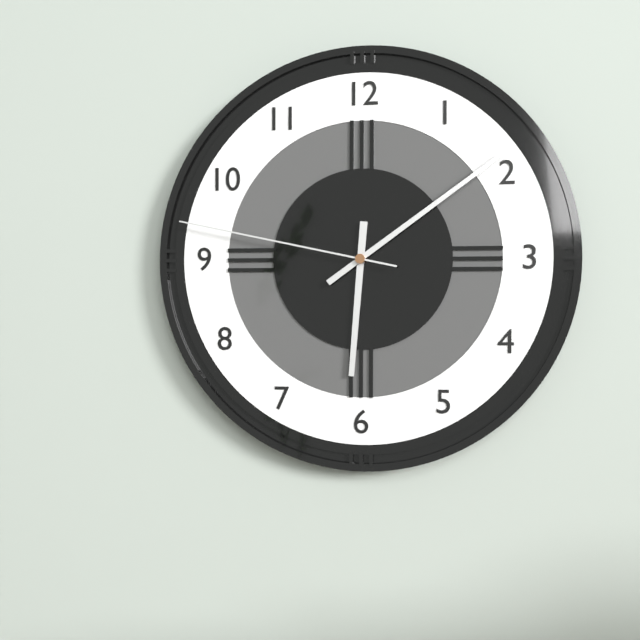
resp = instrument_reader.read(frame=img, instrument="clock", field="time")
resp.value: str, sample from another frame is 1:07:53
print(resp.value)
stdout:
6:09:47
